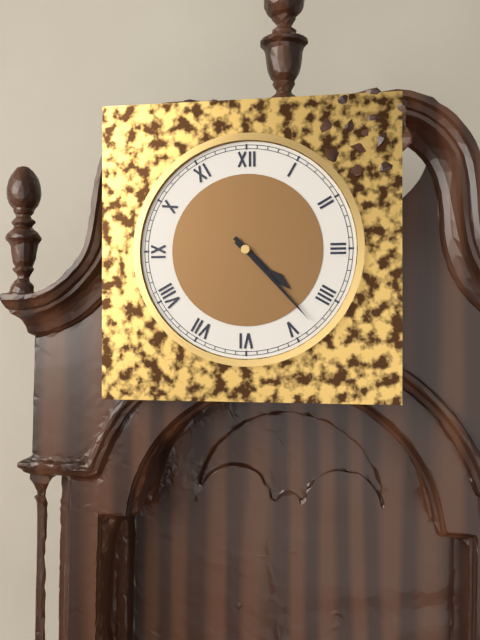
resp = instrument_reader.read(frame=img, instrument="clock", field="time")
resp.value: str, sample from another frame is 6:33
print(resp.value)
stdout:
4:23
